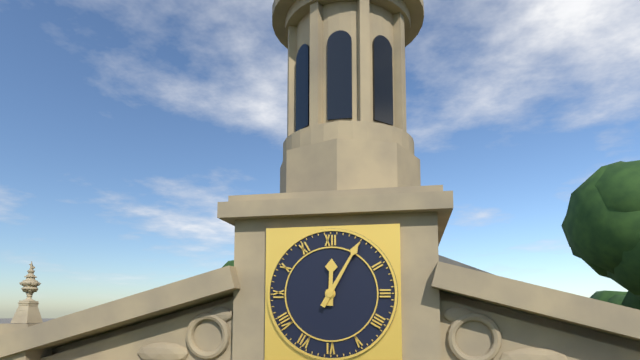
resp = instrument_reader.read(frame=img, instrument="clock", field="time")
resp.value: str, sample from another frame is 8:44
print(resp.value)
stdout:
12:05
